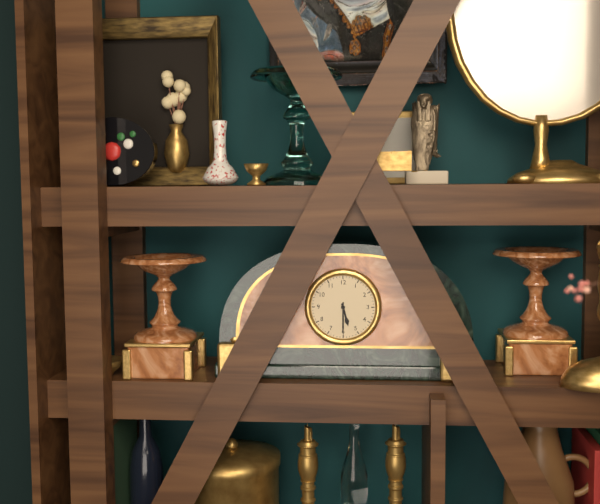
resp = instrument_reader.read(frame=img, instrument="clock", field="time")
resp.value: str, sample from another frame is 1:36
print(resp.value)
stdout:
5:30
